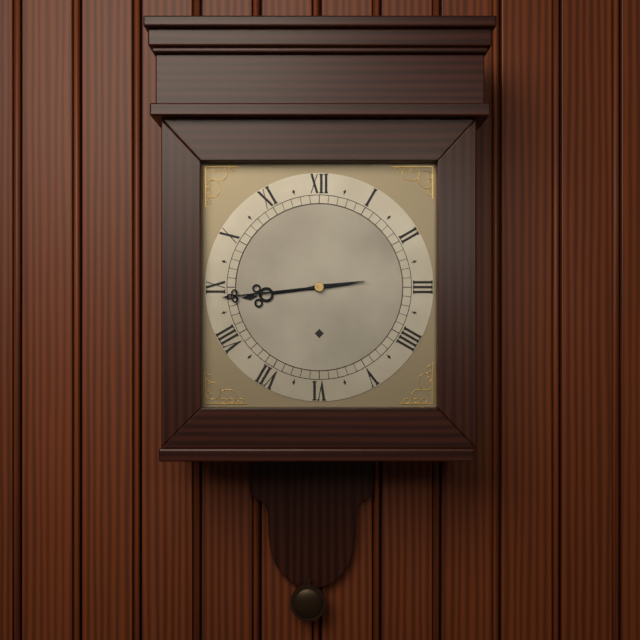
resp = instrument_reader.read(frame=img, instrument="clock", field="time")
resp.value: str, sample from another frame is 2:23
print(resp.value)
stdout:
8:44
